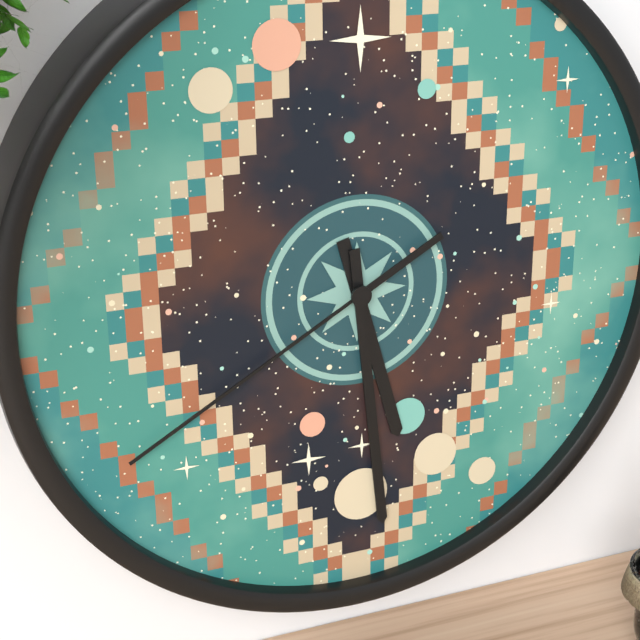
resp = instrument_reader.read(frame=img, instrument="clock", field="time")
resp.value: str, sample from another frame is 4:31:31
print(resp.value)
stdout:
5:29:40
